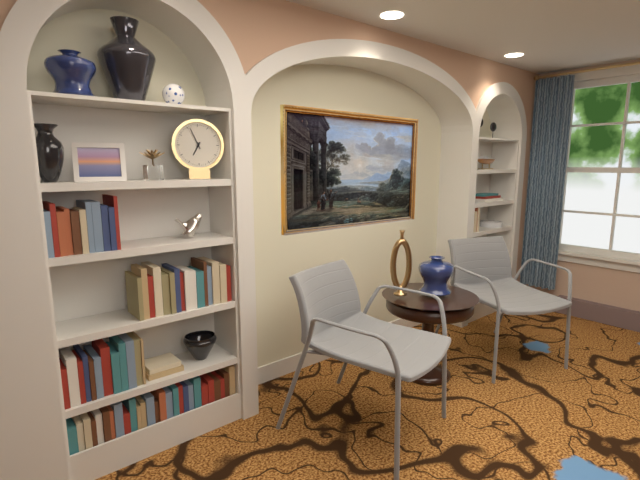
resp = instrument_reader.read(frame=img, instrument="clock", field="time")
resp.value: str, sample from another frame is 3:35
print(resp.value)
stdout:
6:56
